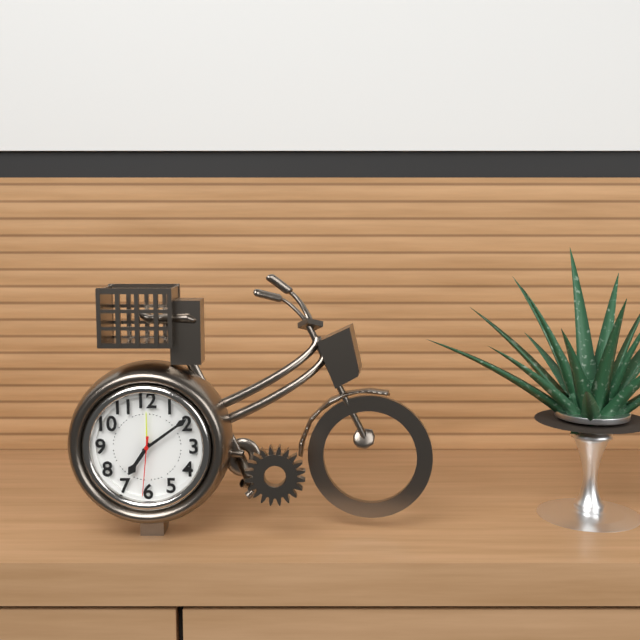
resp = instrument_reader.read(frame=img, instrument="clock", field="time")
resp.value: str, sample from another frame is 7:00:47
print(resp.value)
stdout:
7:09:31
